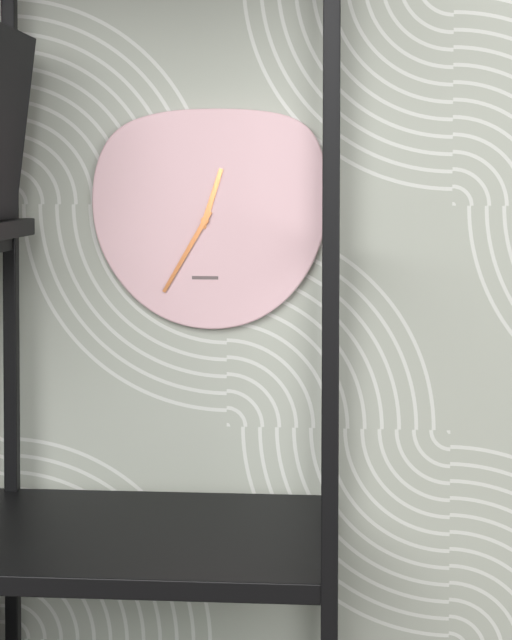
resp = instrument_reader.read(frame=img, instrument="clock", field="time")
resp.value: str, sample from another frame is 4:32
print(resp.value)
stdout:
12:35
